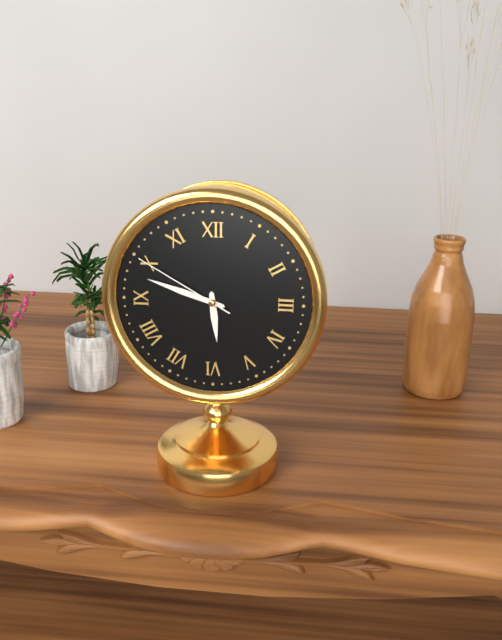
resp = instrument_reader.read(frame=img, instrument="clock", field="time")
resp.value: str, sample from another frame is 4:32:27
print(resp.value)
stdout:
5:48:50
